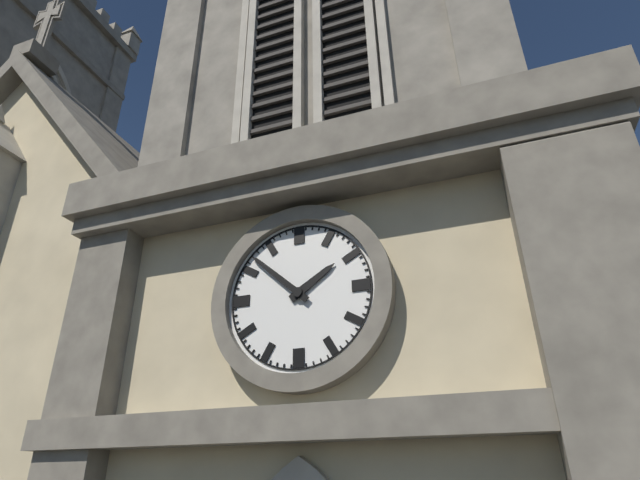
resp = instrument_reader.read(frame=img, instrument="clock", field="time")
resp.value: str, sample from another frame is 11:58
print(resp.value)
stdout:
1:52
